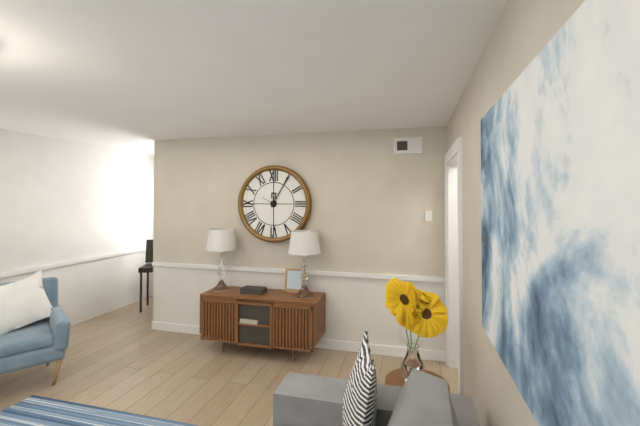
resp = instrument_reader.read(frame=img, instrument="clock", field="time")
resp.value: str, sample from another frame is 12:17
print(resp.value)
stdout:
12:05
